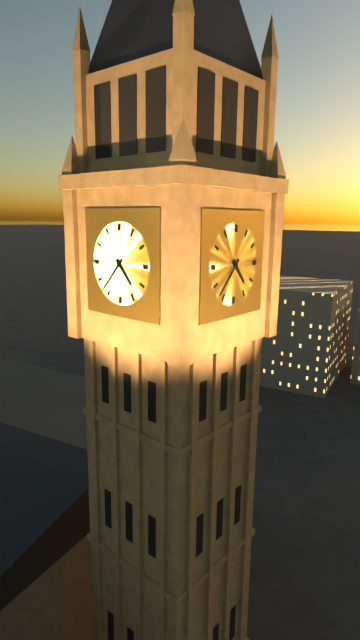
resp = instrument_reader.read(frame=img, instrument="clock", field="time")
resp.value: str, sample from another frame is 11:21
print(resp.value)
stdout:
4:37
